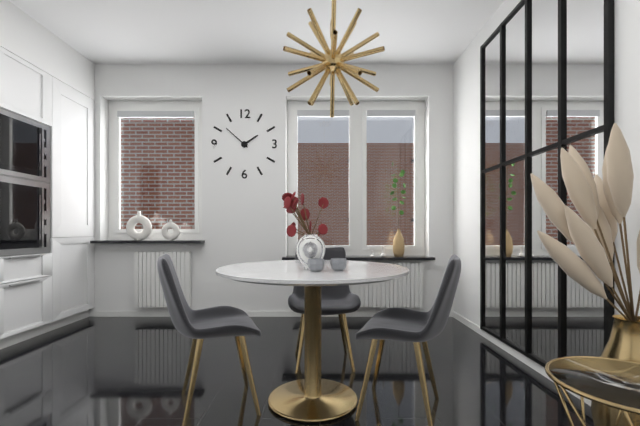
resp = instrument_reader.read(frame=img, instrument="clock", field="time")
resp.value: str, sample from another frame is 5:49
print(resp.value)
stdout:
1:52
